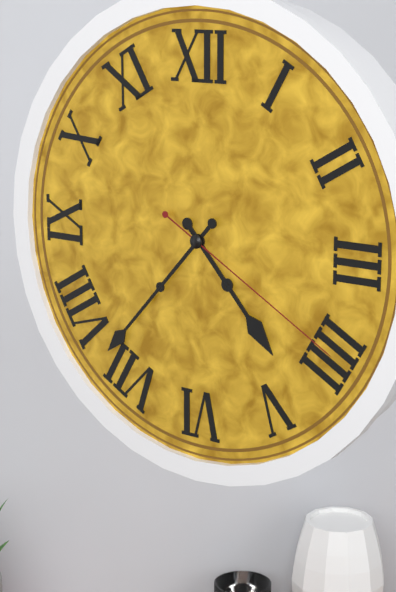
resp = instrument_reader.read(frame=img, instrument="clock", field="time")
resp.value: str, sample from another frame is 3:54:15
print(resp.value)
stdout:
4:37:20
